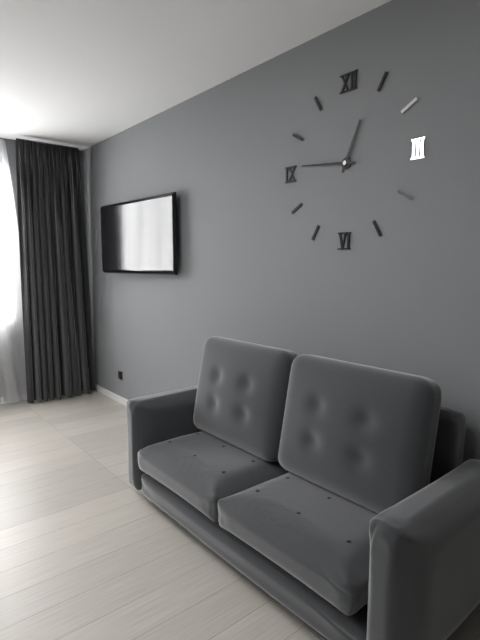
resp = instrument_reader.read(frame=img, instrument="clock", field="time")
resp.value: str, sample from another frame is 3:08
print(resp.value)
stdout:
12:46
